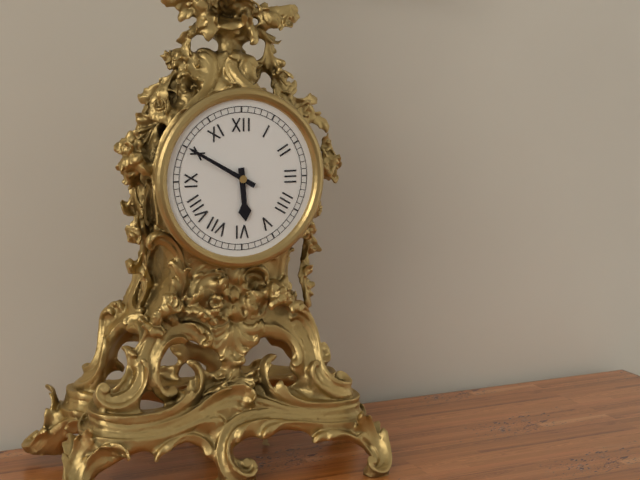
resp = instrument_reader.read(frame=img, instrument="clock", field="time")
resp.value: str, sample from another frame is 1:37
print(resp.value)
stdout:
5:50
